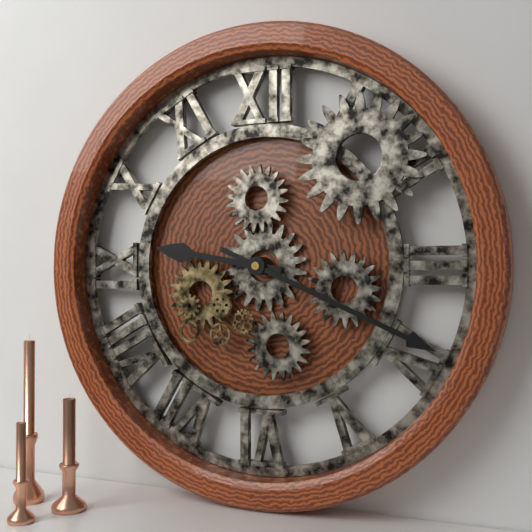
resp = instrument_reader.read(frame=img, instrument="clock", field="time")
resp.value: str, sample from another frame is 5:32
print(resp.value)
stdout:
9:19
